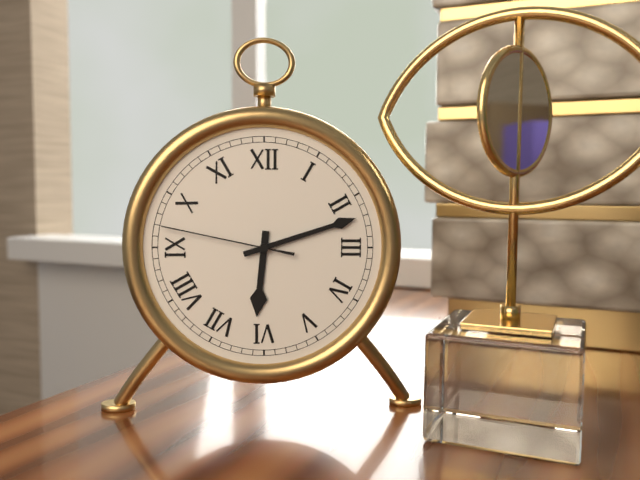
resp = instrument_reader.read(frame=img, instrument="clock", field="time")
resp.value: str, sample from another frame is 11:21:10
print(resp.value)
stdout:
6:12:47
